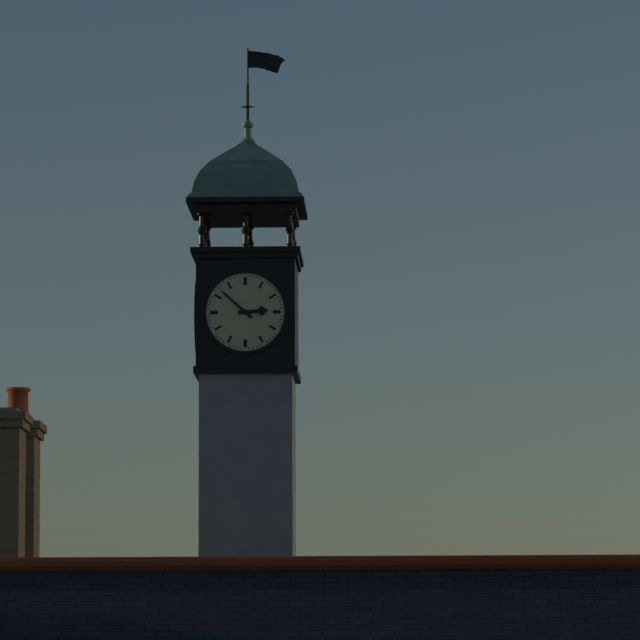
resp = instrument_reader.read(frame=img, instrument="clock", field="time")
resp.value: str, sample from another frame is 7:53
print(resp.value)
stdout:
2:52
